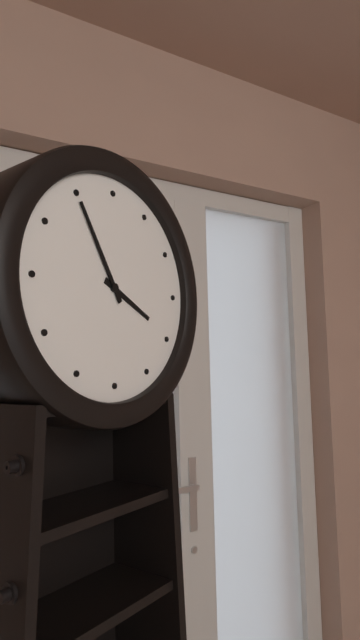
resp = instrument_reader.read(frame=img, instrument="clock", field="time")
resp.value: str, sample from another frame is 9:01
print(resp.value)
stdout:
3:55
